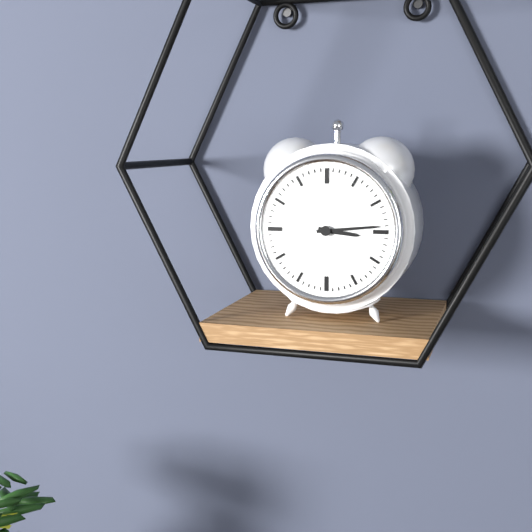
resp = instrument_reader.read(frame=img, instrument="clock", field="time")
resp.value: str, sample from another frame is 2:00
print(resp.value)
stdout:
3:14
